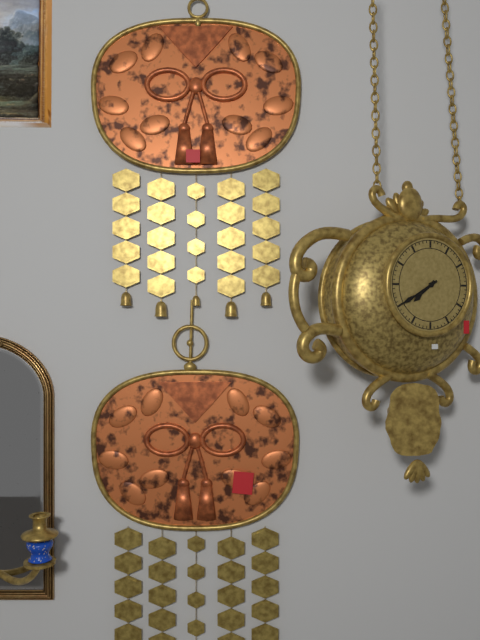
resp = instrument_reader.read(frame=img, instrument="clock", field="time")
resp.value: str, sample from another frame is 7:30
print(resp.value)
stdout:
7:40
